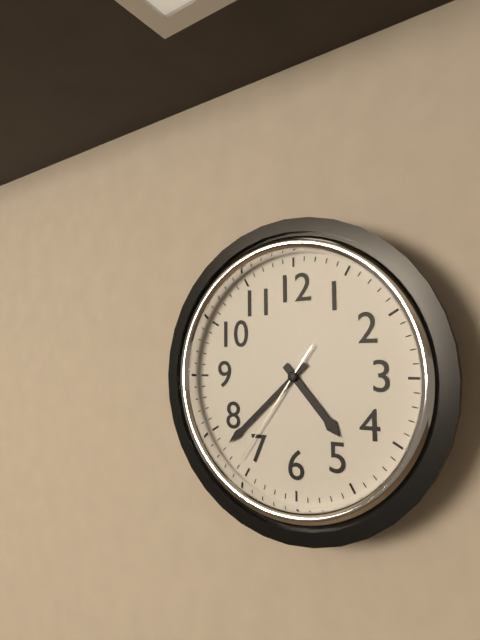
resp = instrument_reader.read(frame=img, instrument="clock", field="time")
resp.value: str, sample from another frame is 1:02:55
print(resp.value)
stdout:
4:38:36
